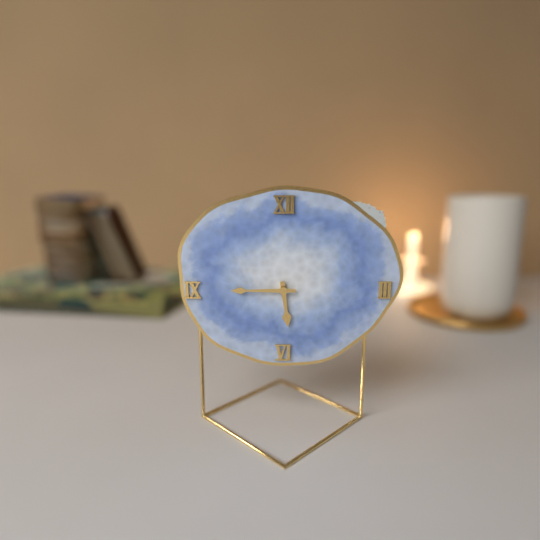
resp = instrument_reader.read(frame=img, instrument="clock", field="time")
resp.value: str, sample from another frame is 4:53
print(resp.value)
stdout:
5:45
